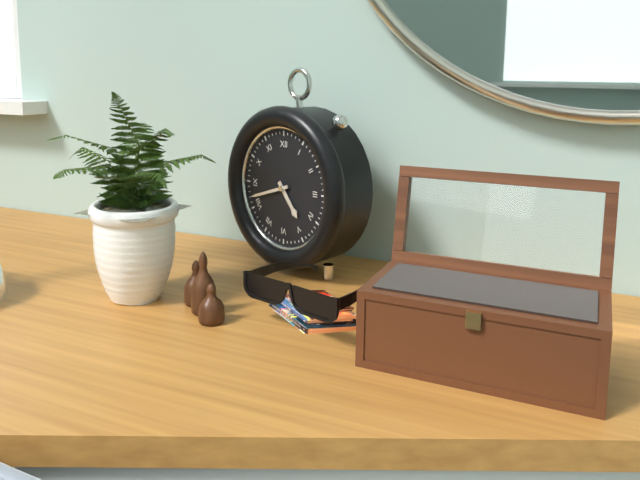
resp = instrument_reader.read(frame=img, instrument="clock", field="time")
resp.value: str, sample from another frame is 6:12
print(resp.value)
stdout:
4:42
